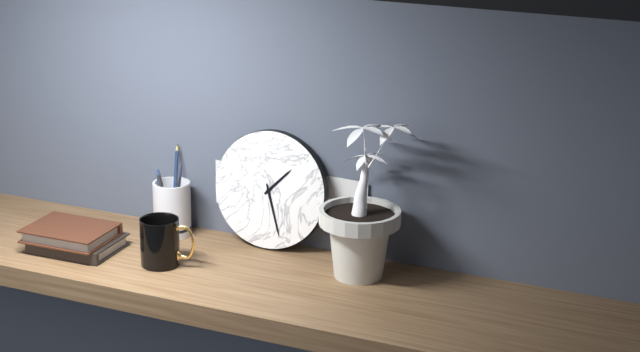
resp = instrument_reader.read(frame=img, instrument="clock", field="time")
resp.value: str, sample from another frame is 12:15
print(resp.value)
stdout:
1:27
